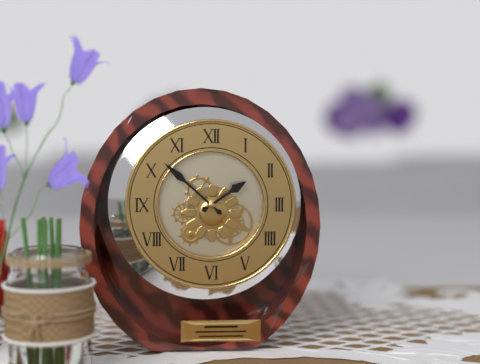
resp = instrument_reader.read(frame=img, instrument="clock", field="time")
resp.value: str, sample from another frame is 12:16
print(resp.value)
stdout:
1:52
